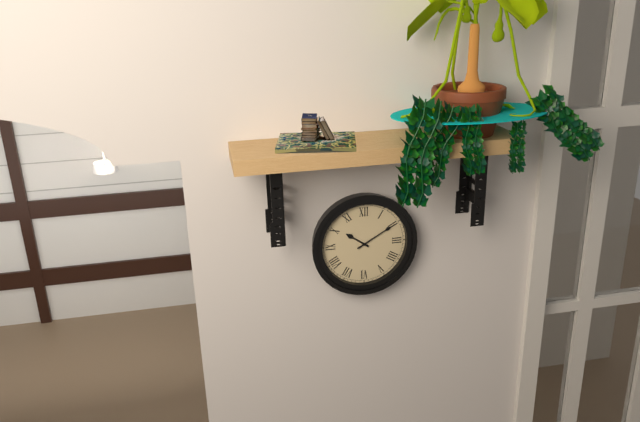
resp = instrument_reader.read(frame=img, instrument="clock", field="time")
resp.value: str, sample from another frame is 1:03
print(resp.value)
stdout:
10:10
